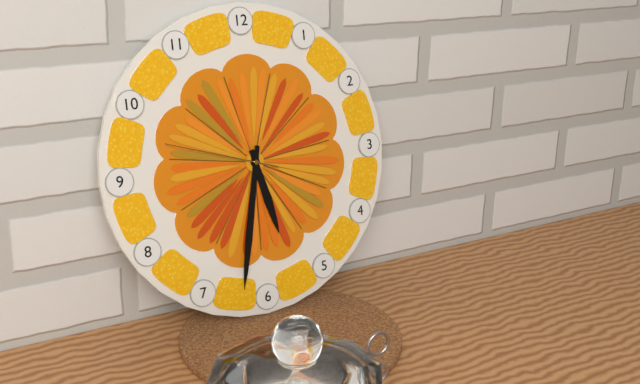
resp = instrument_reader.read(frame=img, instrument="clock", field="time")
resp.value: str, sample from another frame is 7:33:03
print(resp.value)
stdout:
5:32:48
